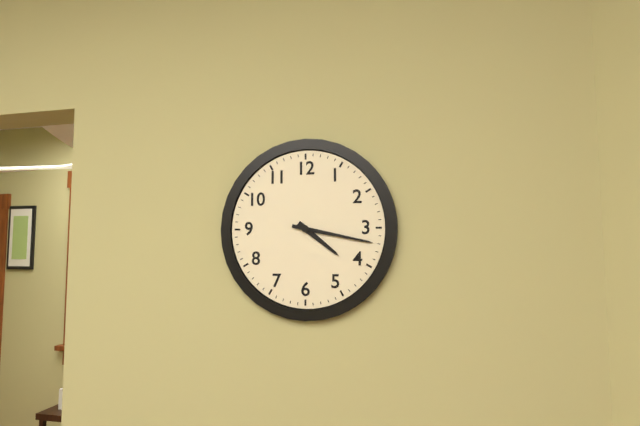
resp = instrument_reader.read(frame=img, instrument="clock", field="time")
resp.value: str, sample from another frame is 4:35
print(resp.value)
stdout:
4:17
